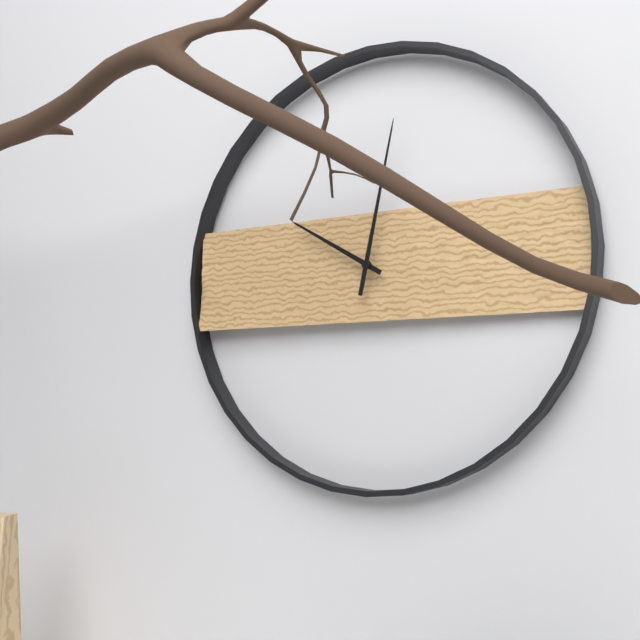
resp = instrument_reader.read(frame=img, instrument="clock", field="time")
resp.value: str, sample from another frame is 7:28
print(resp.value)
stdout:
10:02
